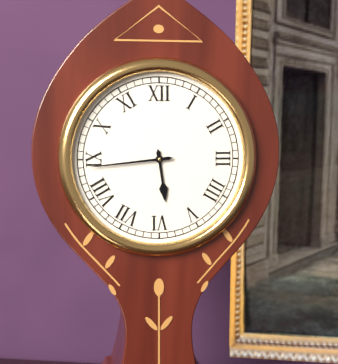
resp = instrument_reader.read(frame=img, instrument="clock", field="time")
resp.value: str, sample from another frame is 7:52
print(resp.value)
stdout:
5:44
